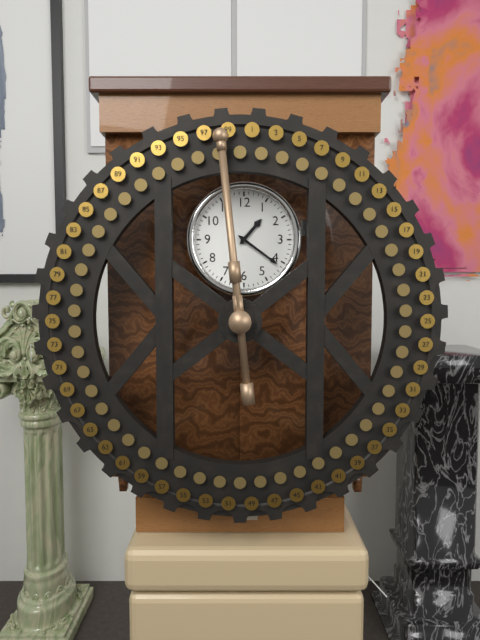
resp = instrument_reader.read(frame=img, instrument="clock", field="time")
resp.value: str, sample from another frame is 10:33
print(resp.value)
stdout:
1:21
